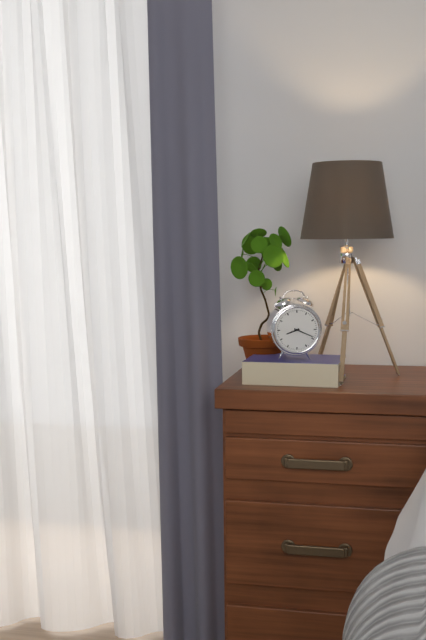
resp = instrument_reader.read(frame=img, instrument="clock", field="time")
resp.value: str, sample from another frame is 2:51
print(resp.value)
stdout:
8:19
